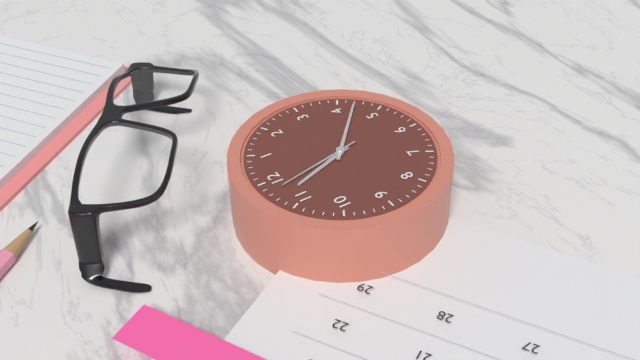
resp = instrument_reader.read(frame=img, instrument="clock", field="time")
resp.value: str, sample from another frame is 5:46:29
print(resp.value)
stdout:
11:22:58
